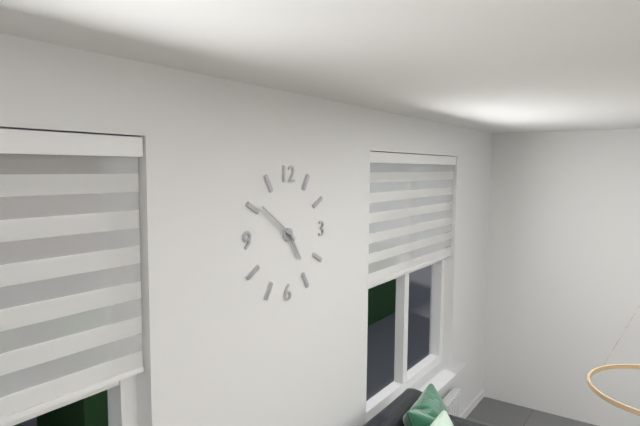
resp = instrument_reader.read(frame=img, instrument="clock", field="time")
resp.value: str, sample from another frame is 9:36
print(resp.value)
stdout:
4:51
